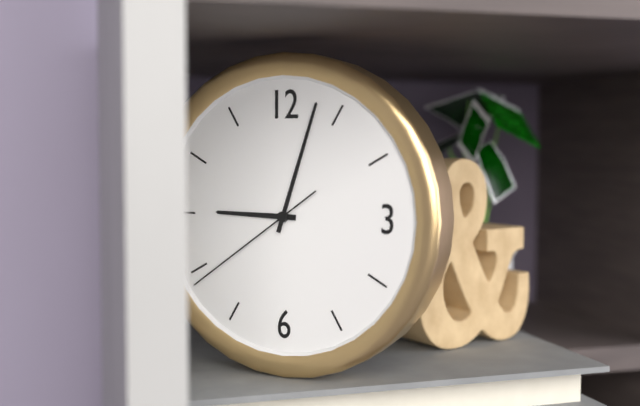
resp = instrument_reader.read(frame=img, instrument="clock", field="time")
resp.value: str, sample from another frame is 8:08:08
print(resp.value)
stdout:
9:03:39
